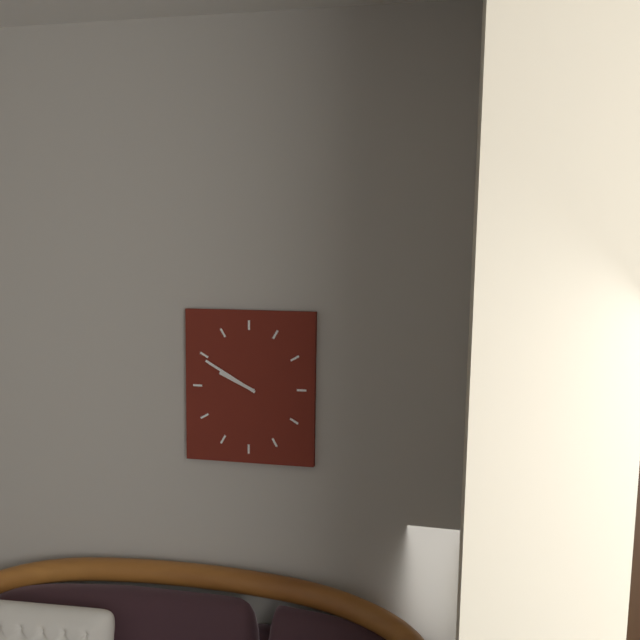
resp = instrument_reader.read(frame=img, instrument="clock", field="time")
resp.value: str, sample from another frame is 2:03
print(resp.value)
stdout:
9:50
